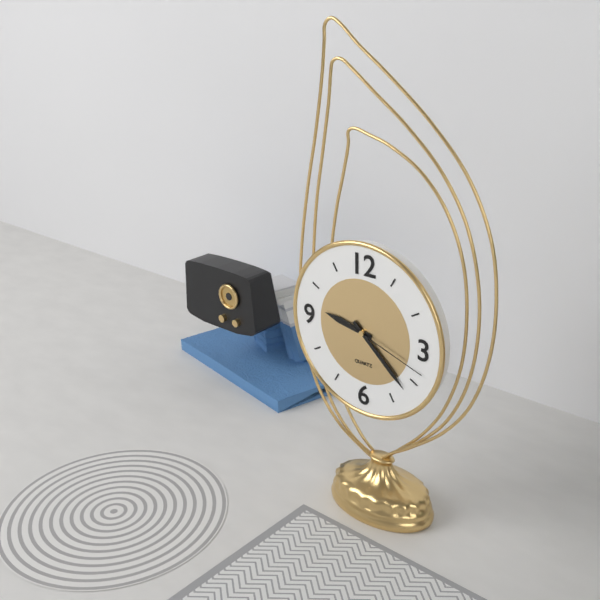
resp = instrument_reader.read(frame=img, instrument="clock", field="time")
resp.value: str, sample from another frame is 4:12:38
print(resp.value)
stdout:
9:22:18
